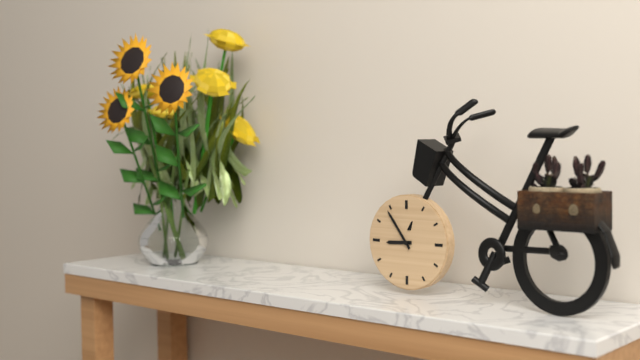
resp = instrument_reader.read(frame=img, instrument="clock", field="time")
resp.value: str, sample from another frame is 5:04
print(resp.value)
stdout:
8:54
